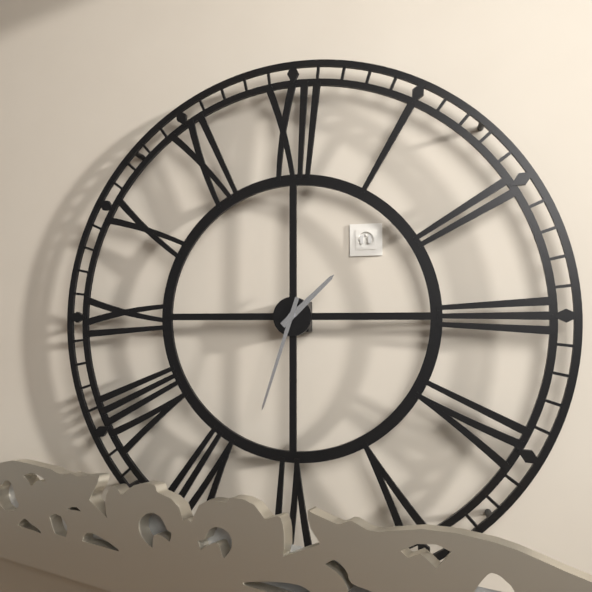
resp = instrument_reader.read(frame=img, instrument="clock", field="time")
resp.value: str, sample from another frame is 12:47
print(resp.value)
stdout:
1:33
